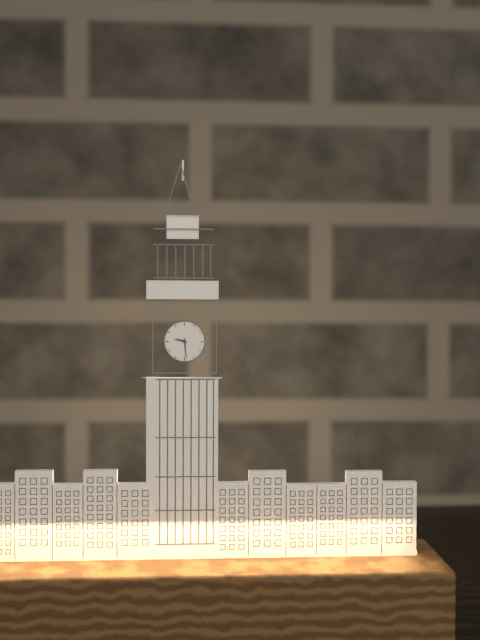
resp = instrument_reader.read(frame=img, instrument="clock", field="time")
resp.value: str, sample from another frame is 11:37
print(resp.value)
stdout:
9:29
